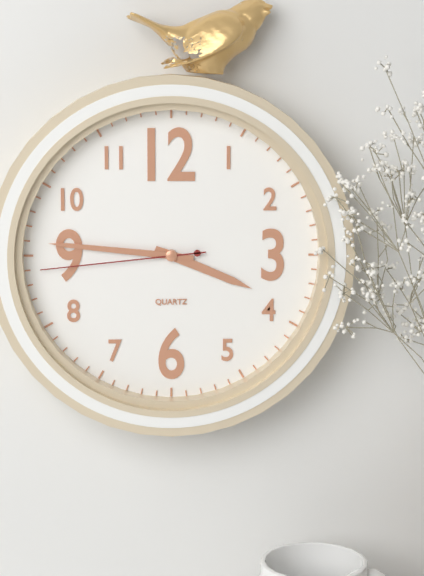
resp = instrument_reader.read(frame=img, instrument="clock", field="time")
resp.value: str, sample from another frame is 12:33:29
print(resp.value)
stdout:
3:46:44
